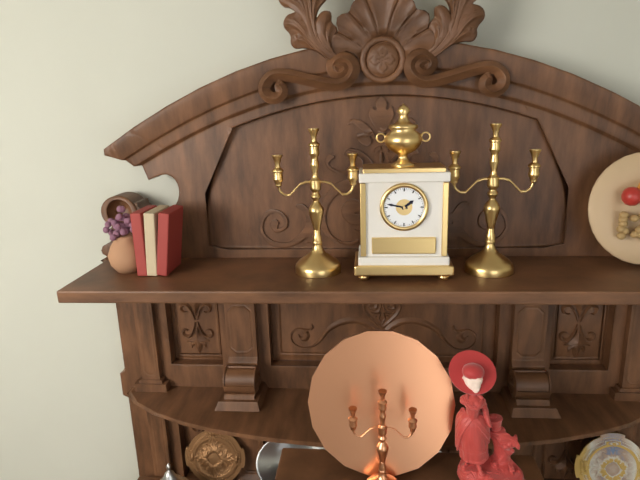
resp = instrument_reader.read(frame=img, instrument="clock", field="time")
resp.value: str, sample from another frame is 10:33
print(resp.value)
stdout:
1:47
